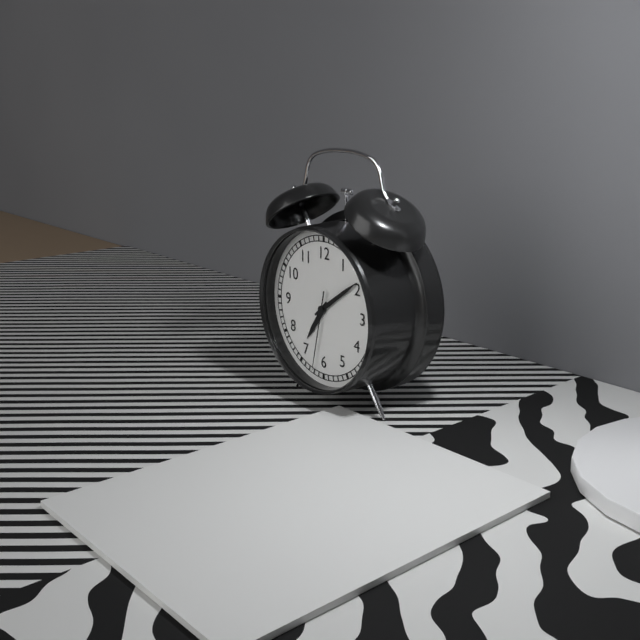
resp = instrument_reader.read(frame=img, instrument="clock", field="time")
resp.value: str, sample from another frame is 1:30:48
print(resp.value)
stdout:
7:09:32
